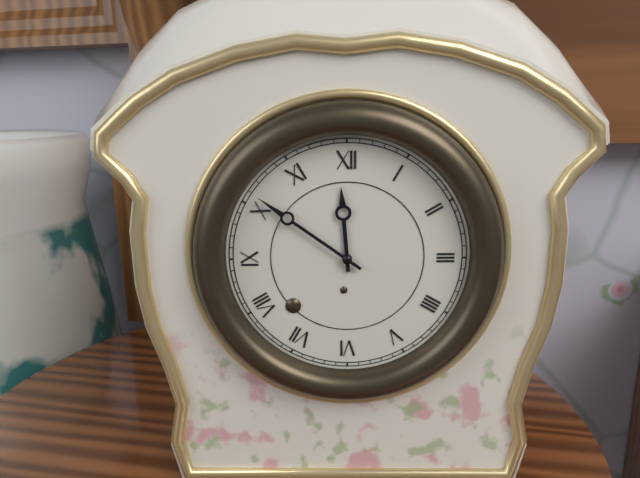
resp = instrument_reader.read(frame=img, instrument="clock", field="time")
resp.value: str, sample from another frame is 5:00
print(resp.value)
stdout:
11:51
